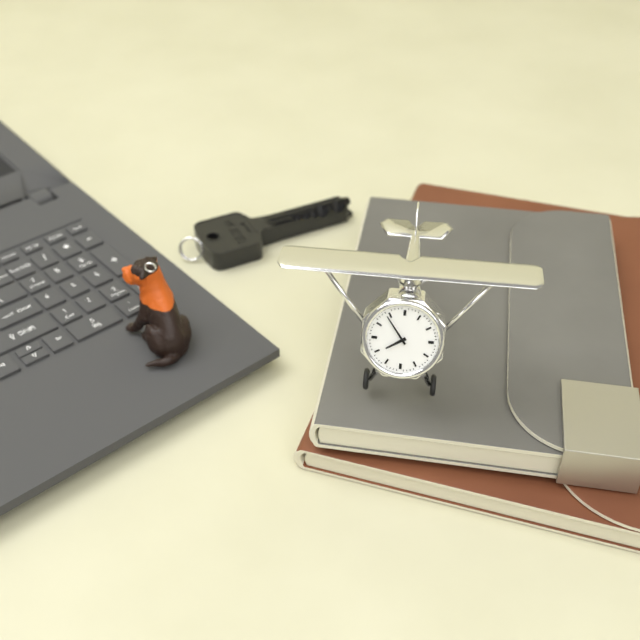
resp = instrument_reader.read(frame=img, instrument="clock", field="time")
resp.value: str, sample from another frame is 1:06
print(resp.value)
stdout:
7:54
